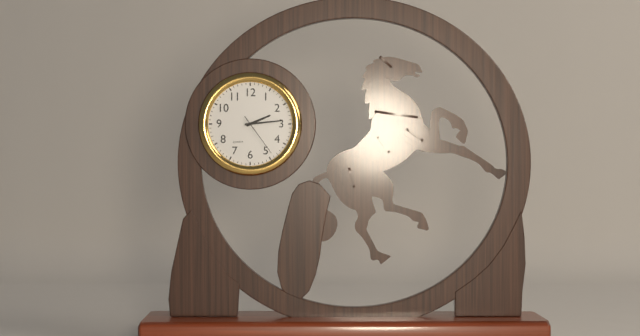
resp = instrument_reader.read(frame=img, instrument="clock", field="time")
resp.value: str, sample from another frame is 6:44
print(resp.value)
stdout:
2:14
